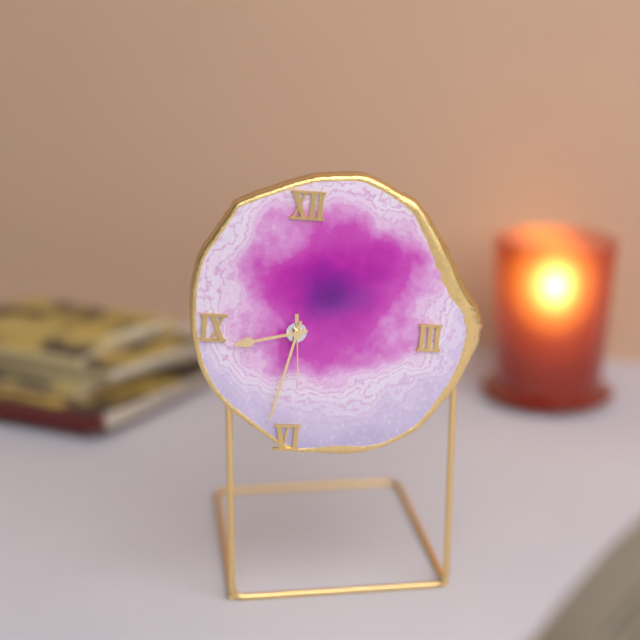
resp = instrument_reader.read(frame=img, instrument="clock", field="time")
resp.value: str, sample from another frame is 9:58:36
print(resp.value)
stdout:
8:32:29
